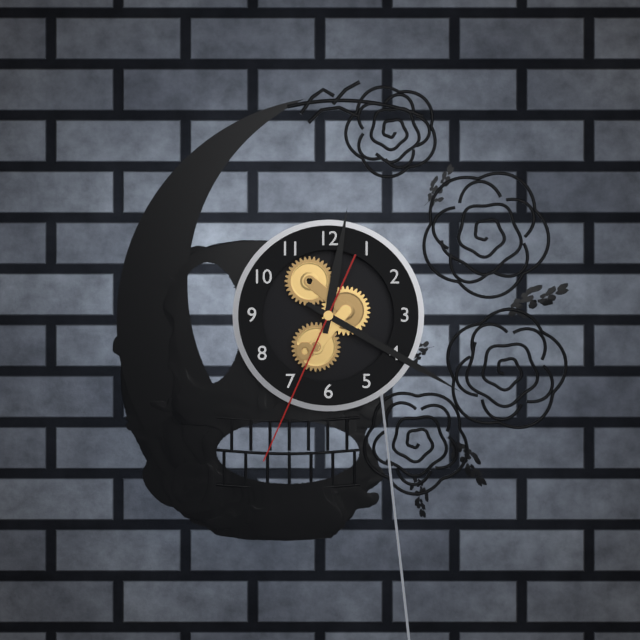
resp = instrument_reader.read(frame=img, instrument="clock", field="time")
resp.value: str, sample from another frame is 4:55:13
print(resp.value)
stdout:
12:20:34
